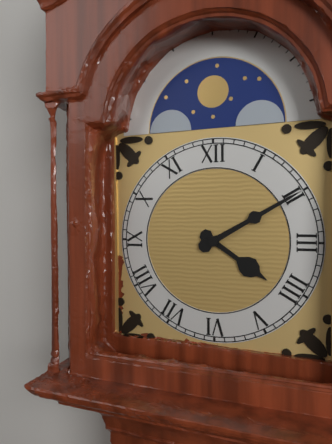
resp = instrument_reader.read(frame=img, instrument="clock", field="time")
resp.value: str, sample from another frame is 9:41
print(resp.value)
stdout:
4:10
